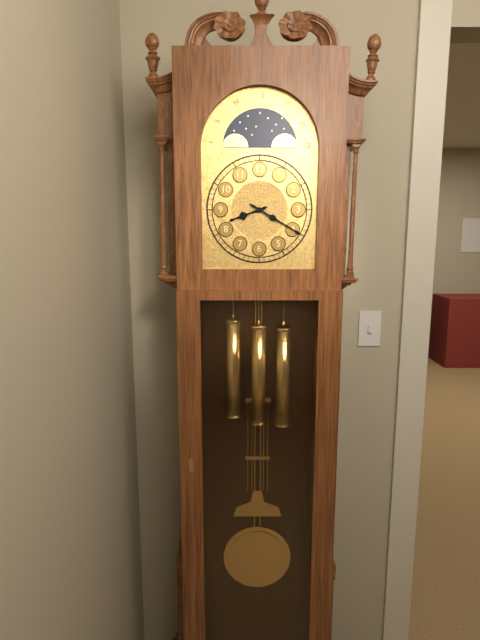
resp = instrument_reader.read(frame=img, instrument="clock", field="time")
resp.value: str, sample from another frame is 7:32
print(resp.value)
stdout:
8:20
